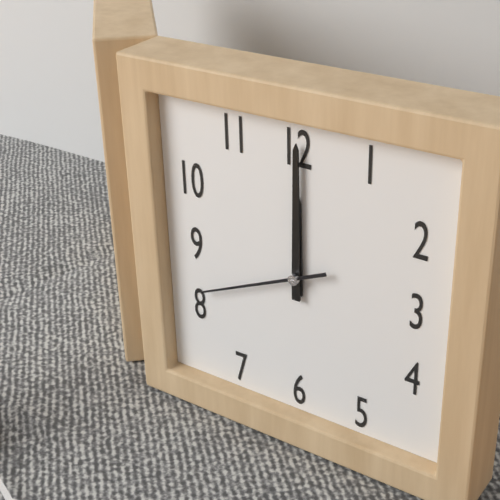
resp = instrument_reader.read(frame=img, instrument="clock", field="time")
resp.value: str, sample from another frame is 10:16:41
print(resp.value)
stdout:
12:00:41
